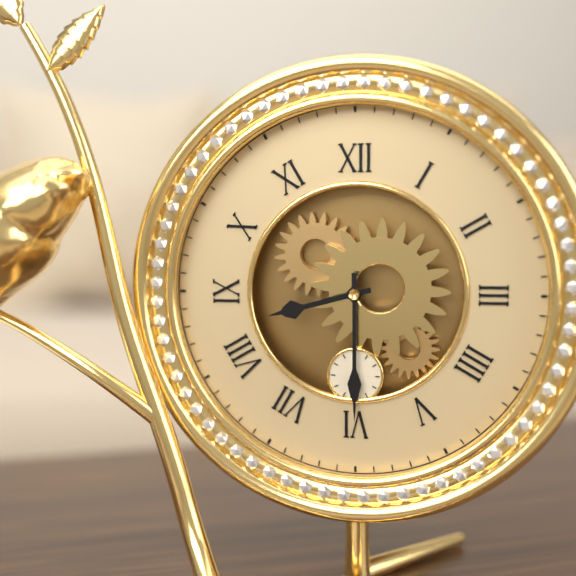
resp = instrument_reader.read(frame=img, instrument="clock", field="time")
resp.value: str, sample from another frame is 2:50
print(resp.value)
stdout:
8:30
